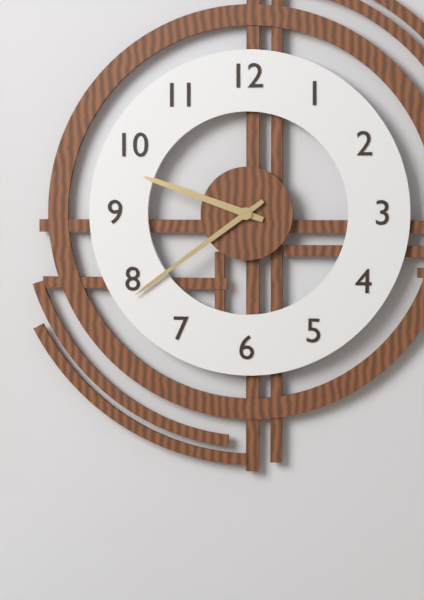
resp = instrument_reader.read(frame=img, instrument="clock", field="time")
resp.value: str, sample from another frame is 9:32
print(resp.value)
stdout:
9:39
